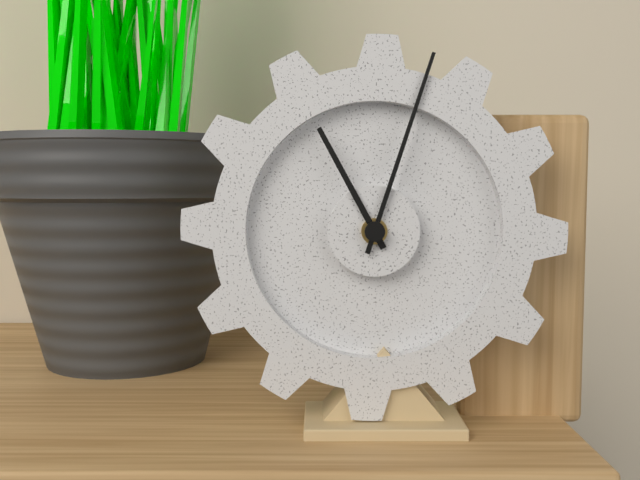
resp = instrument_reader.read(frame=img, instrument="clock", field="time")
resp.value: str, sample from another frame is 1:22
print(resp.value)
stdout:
11:03
